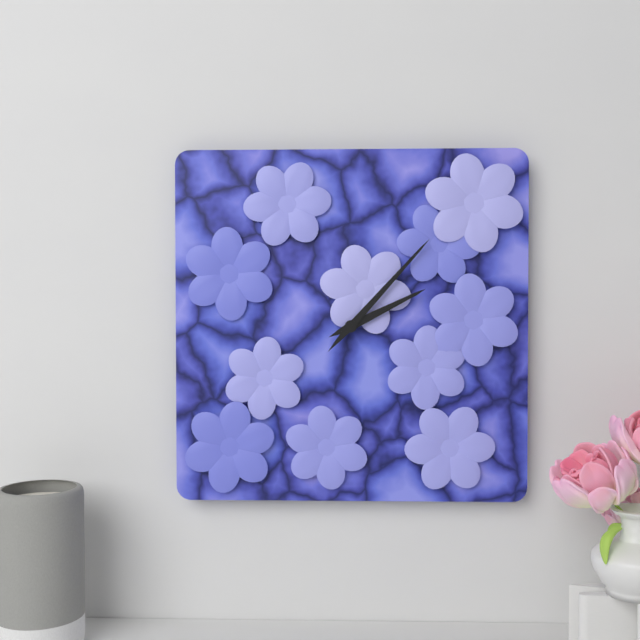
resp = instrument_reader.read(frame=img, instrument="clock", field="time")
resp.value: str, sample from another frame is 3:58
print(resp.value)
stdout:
2:07
